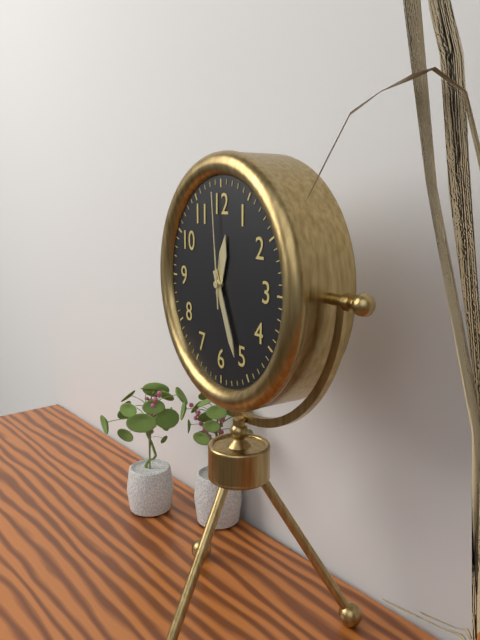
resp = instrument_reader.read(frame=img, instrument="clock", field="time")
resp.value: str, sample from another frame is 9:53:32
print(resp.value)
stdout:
12:26:59
